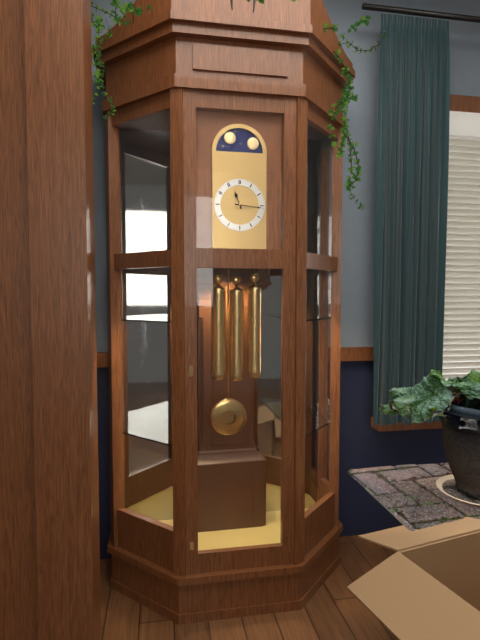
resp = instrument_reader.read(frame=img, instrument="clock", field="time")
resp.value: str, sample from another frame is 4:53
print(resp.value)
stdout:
11:16
